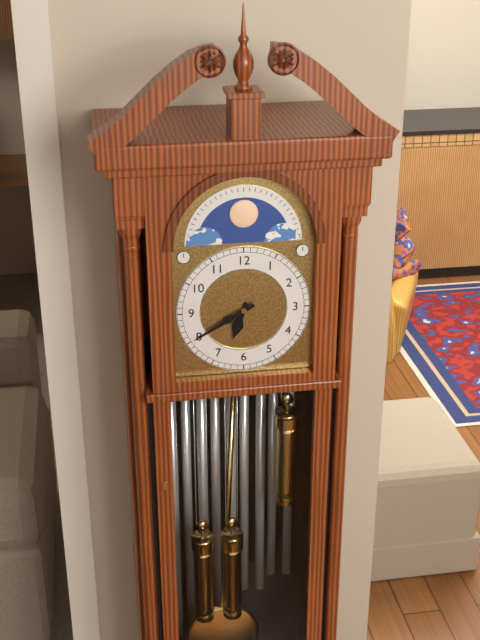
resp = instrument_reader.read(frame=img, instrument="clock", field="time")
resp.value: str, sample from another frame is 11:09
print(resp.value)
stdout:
6:40
